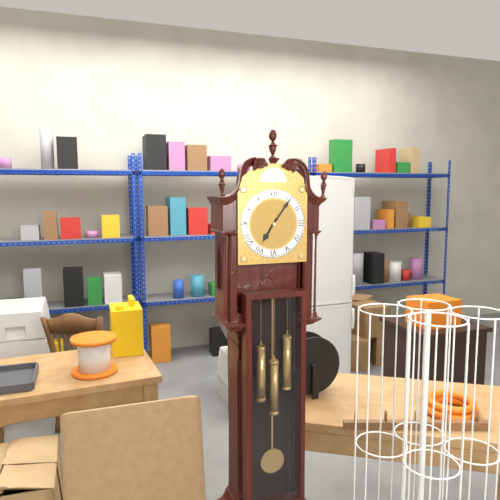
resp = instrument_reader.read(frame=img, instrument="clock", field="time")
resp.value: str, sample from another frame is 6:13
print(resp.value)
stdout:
7:06
